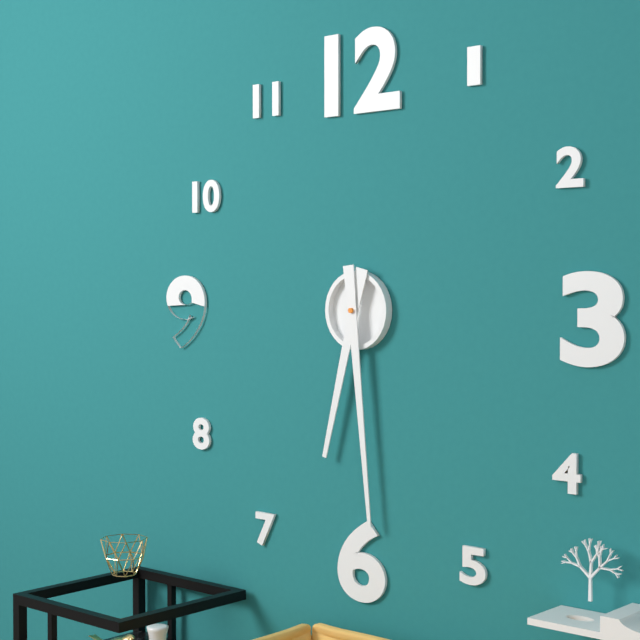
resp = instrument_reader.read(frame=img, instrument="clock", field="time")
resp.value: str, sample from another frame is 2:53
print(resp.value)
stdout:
6:29
